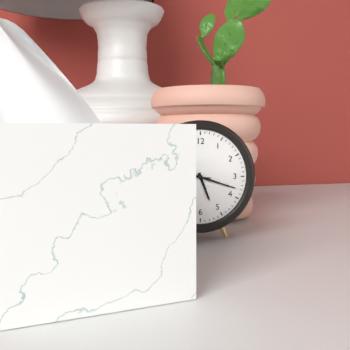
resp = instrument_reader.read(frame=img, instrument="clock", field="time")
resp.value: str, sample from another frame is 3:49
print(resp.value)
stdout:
5:18
